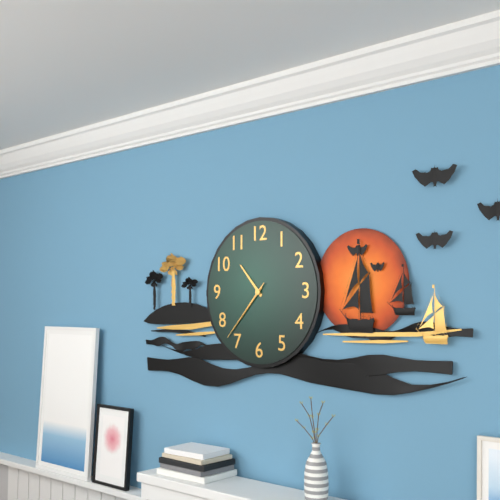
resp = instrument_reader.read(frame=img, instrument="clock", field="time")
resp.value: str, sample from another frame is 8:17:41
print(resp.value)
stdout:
10:37:37
